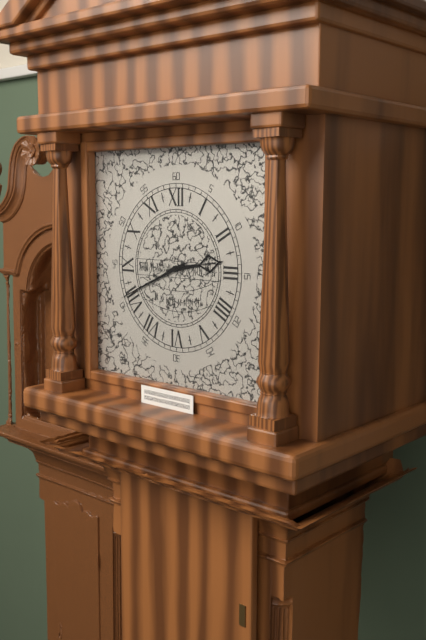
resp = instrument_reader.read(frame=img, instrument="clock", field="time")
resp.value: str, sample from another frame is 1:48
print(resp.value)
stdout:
2:41
